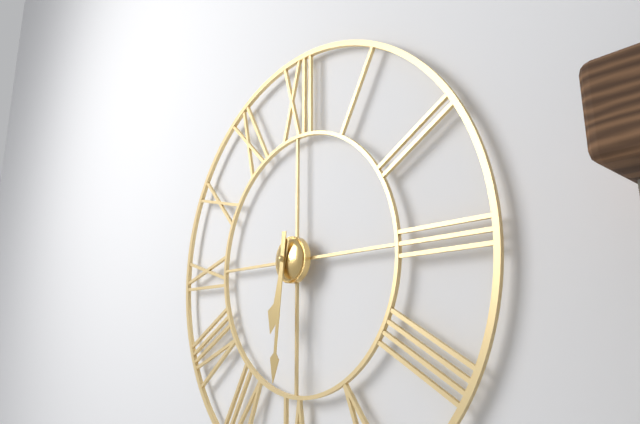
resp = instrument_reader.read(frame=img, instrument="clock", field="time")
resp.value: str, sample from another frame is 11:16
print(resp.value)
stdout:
6:31
